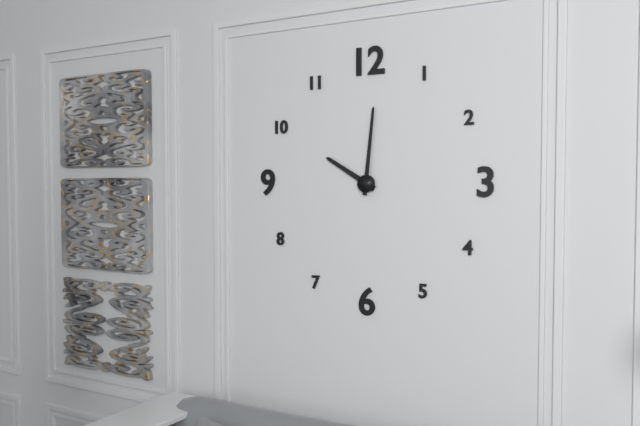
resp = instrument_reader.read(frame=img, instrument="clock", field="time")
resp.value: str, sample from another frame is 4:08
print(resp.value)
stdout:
10:01
